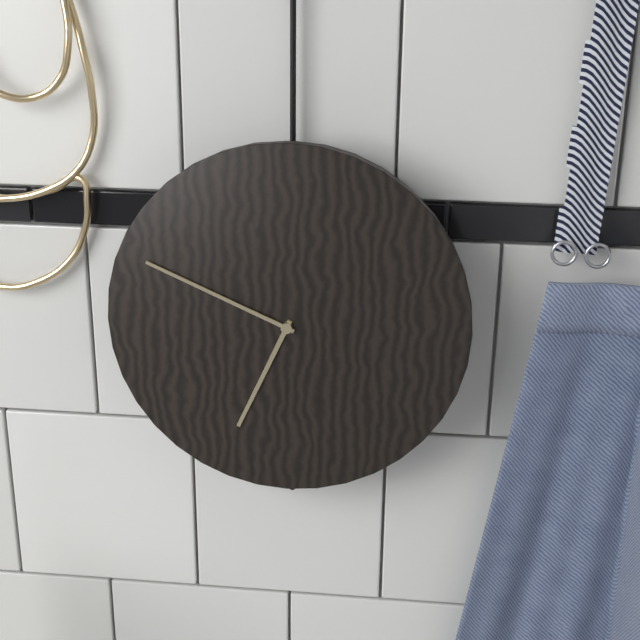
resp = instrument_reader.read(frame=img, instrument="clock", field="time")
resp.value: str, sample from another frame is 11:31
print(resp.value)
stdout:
6:49
